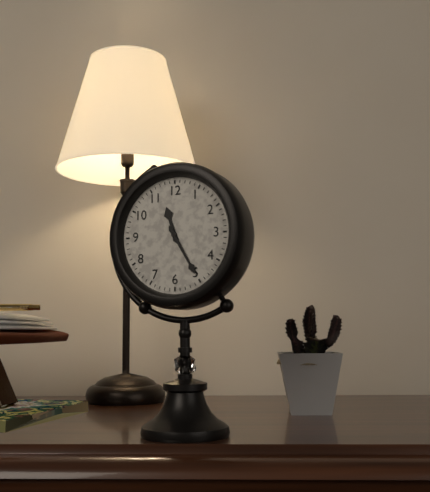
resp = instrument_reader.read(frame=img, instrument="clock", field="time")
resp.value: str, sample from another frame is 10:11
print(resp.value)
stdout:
11:25
